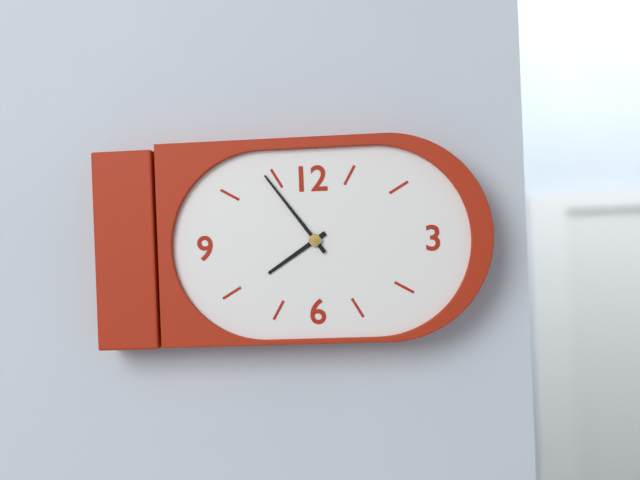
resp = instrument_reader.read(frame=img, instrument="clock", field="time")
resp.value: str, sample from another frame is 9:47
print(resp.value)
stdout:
7:54
